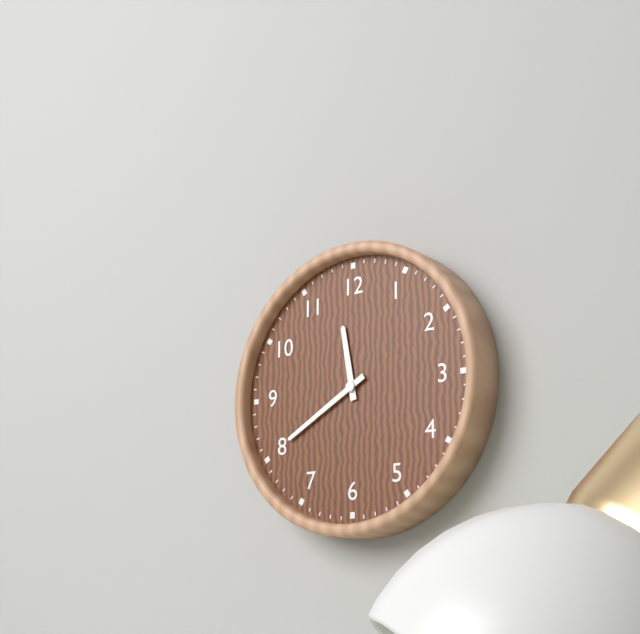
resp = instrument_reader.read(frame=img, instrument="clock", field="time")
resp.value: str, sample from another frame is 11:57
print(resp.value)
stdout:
11:40
